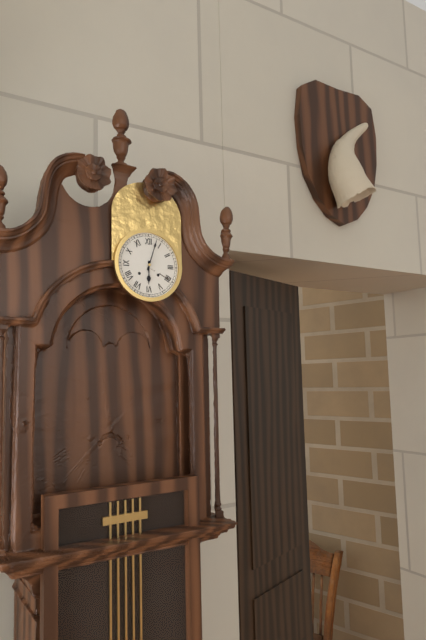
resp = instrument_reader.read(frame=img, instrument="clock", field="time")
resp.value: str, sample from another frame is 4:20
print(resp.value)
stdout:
6:03
